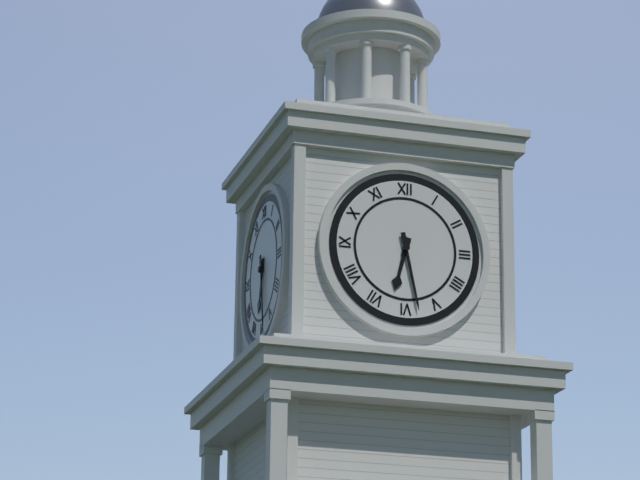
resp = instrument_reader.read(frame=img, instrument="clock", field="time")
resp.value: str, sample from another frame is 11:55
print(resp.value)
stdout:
6:28
